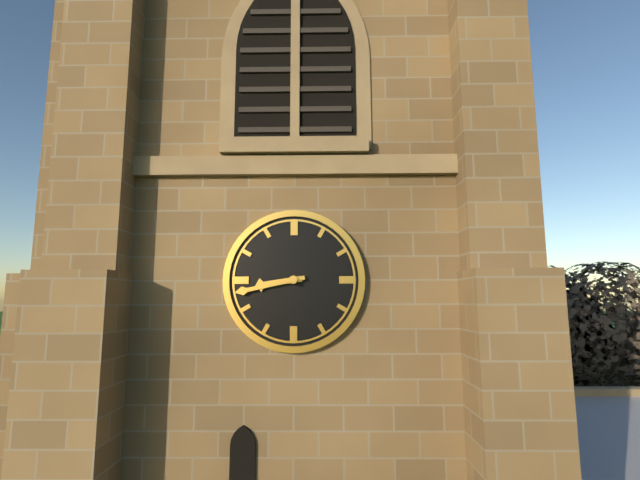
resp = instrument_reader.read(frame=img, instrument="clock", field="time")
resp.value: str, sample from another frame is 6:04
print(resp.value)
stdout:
8:43
